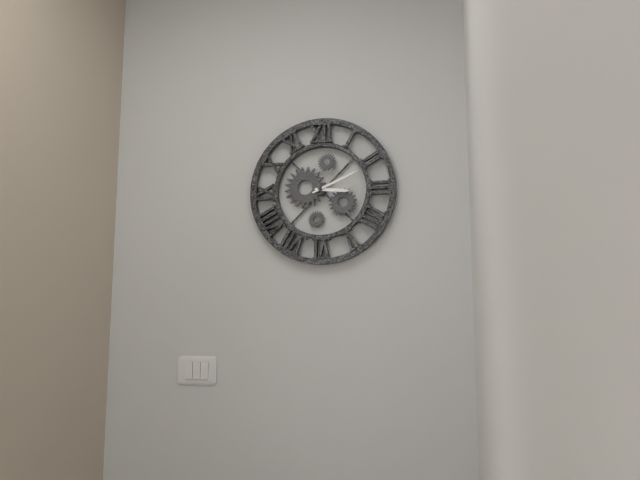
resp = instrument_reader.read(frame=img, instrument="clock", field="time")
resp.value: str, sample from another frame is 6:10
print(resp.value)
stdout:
3:11
